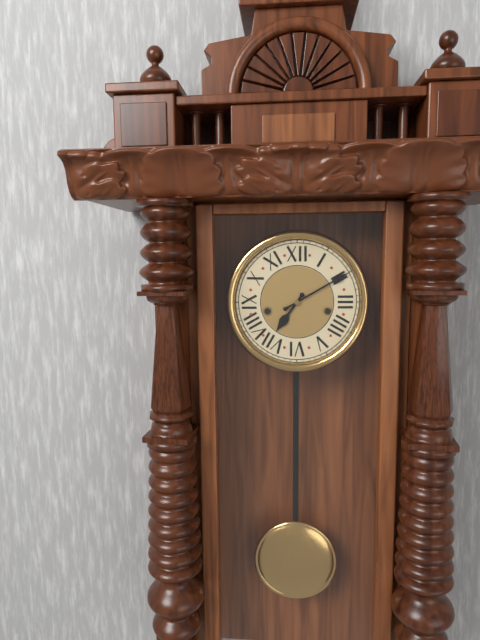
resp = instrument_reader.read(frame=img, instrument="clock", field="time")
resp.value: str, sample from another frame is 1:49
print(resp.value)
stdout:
7:10
